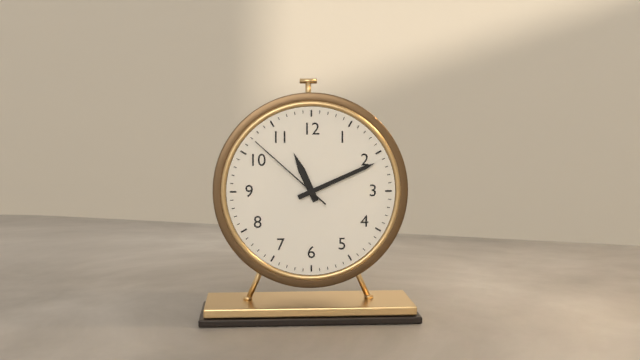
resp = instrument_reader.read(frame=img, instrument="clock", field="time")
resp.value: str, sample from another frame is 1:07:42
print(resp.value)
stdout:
11:11:52
